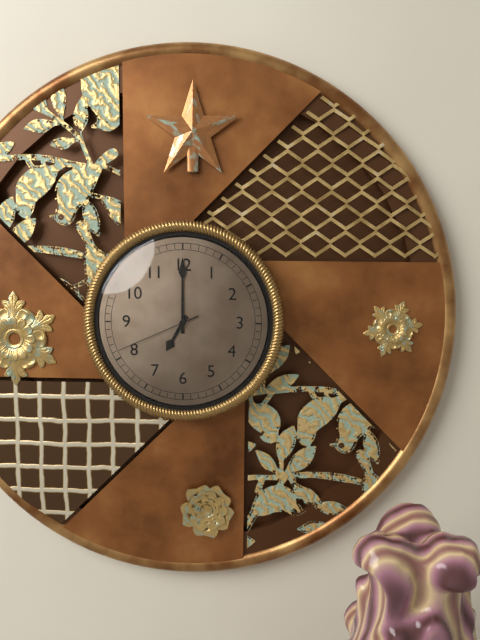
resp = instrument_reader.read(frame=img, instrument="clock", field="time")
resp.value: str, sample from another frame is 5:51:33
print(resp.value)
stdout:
7:00:41
